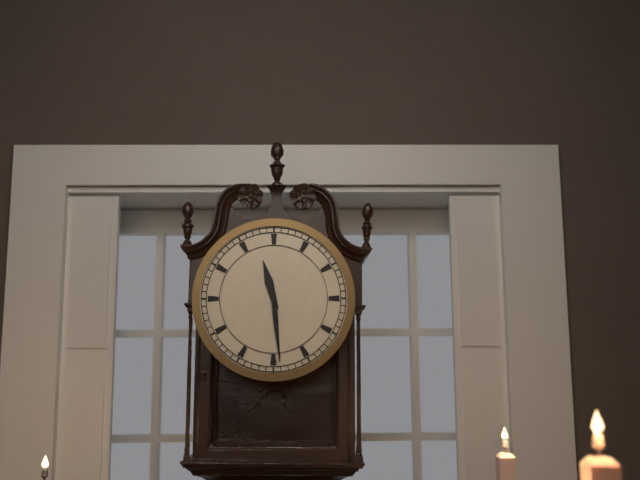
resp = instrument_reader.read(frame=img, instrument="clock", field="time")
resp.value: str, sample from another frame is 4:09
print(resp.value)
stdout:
11:29
